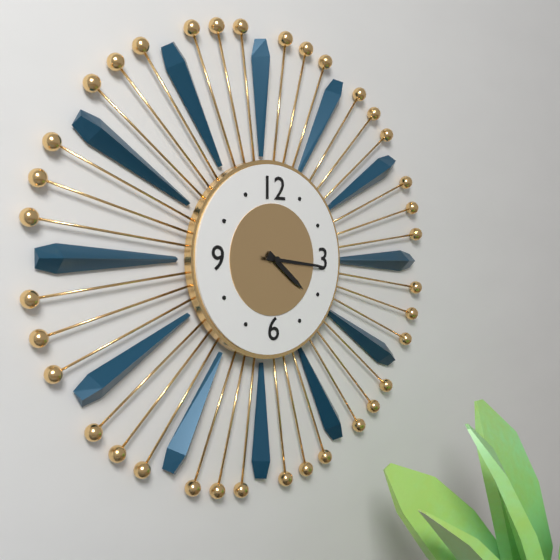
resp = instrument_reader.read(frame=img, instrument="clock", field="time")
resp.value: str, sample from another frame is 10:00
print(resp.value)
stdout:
4:16
